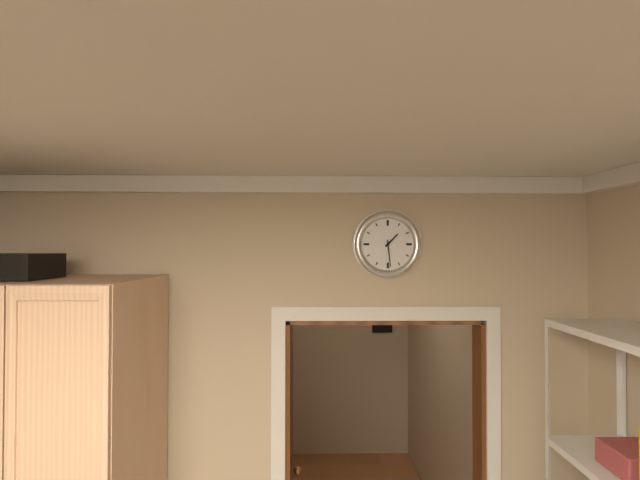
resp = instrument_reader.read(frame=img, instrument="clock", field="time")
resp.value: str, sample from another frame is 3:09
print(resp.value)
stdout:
1:29
